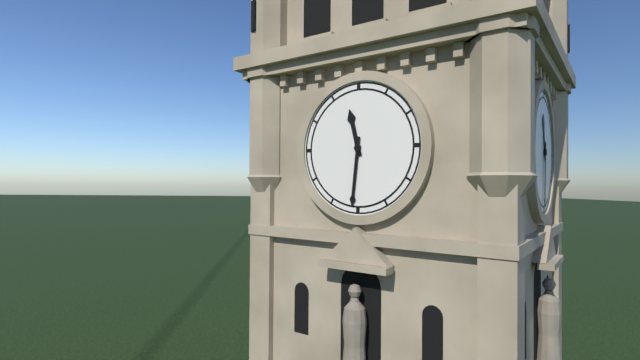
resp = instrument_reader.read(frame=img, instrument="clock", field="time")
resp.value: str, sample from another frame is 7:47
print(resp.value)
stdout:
11:31
